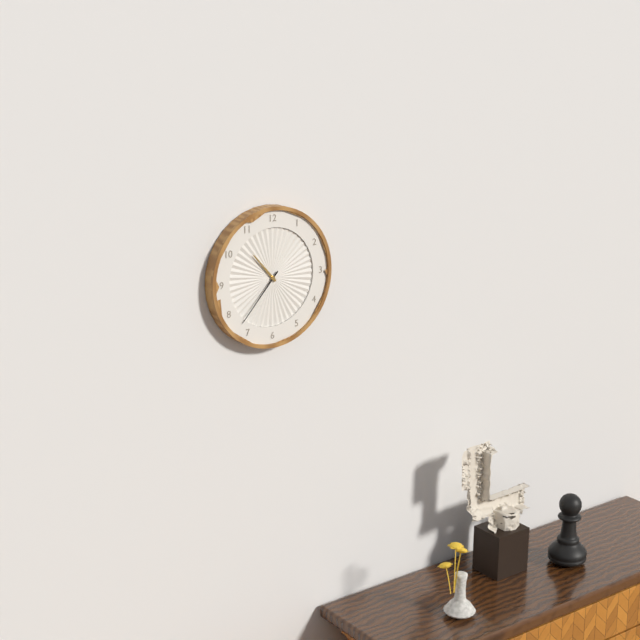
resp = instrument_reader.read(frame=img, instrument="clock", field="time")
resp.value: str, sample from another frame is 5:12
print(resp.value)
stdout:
10:37
